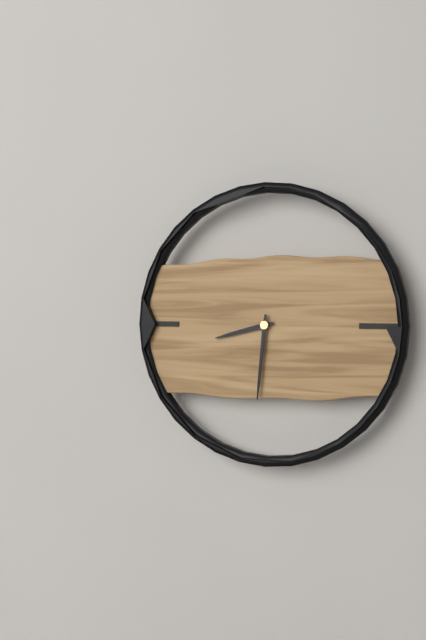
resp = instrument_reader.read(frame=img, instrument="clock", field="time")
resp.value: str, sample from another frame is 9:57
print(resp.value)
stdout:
8:31
